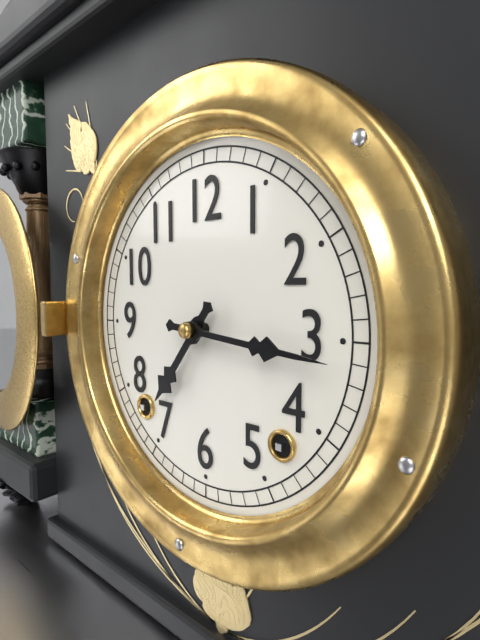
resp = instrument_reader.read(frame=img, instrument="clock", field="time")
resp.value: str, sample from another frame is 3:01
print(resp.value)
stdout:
7:16
